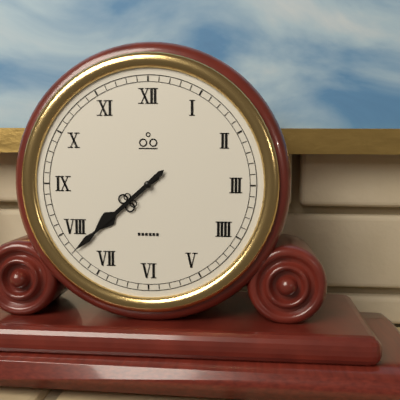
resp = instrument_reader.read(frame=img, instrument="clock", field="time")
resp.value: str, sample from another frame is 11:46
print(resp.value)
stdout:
7:38
